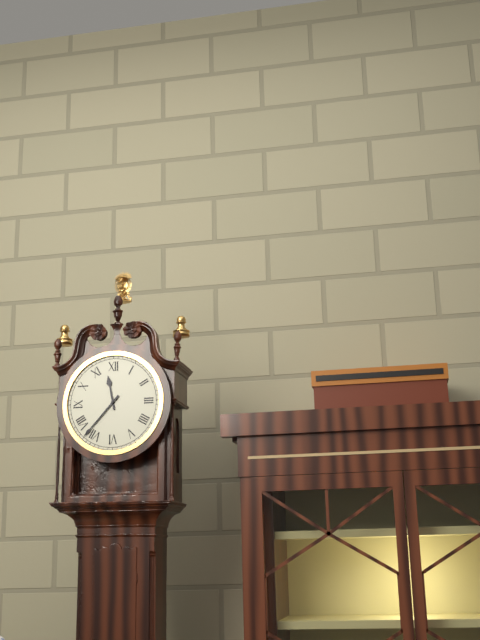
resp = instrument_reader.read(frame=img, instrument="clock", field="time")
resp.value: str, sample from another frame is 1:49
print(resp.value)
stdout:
11:37
